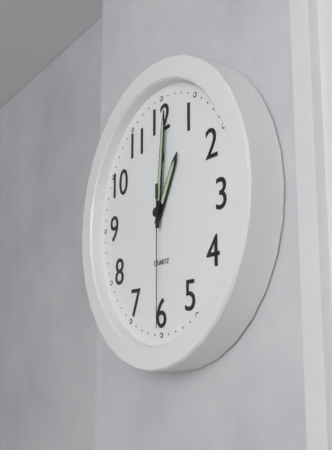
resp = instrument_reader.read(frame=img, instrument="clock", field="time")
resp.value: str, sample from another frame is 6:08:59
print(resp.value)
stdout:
1:01:30
